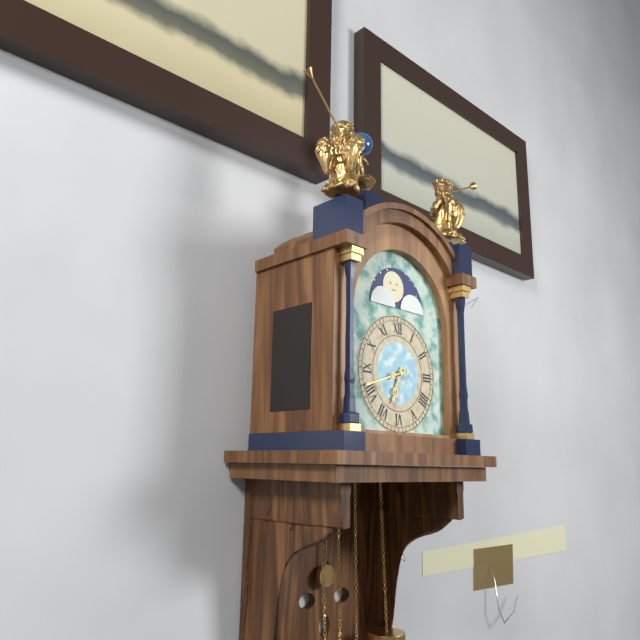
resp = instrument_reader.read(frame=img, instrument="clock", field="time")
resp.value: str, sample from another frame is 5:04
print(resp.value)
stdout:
6:42
